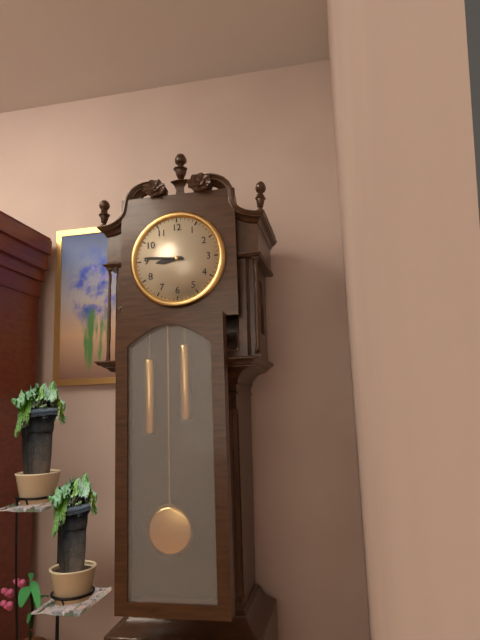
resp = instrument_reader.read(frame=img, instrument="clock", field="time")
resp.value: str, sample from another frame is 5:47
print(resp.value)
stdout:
8:46
